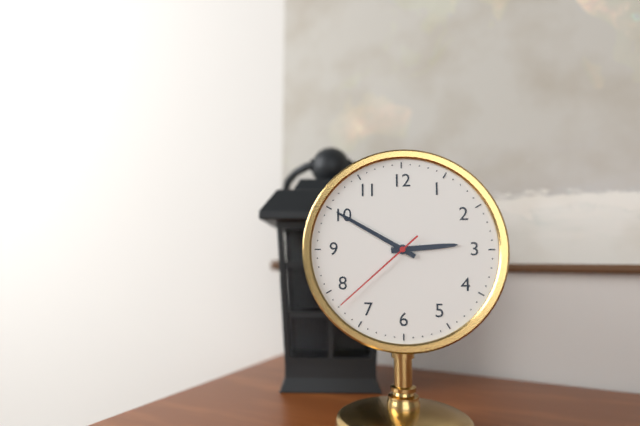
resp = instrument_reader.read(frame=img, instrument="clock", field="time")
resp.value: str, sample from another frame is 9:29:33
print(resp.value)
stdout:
2:50:38
